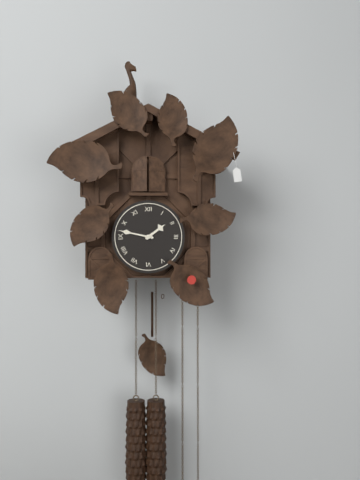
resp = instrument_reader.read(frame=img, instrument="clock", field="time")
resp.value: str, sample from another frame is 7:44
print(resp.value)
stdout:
1:47
